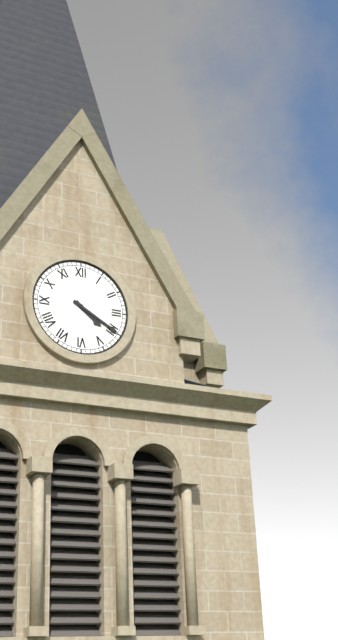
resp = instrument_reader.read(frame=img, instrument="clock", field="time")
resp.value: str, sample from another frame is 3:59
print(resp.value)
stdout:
4:20
